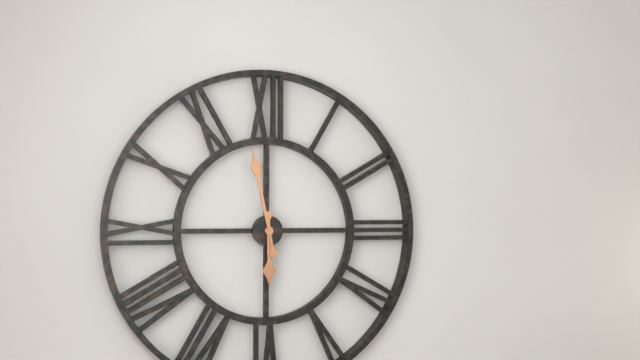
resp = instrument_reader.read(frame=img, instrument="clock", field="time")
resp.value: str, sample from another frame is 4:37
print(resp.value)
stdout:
5:58
